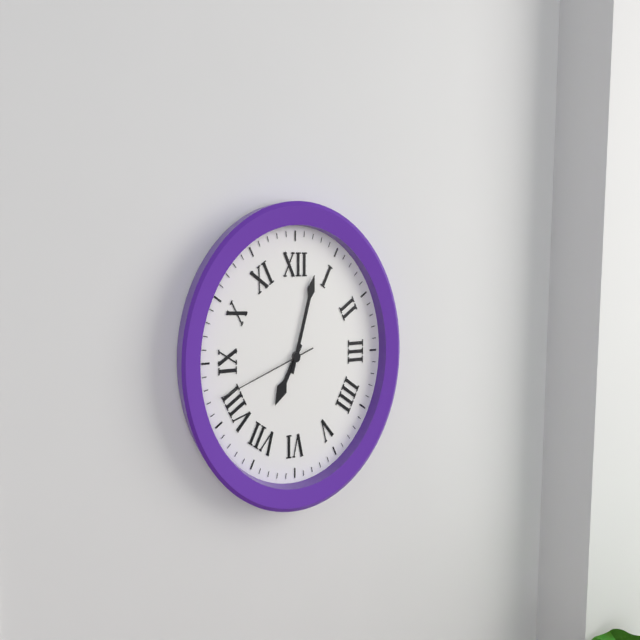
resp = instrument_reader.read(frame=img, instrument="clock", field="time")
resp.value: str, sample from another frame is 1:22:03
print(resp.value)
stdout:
7:03:42
